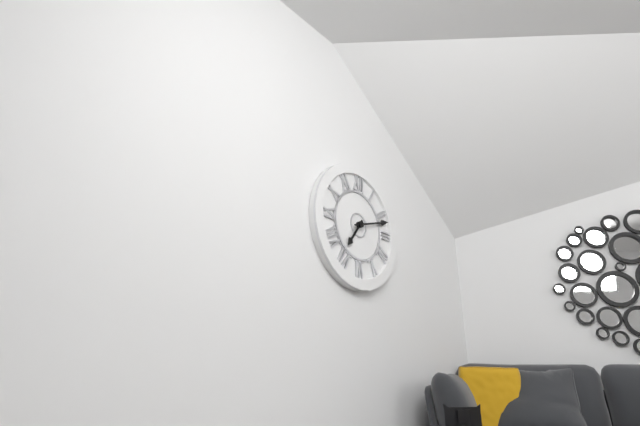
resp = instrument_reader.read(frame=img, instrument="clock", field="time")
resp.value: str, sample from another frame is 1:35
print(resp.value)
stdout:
7:12
